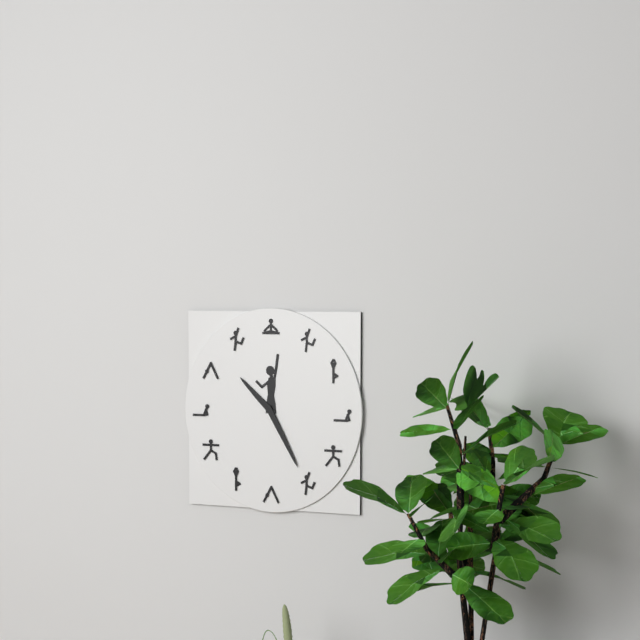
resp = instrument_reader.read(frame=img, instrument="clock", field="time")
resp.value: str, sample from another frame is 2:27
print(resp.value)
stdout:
10:25
